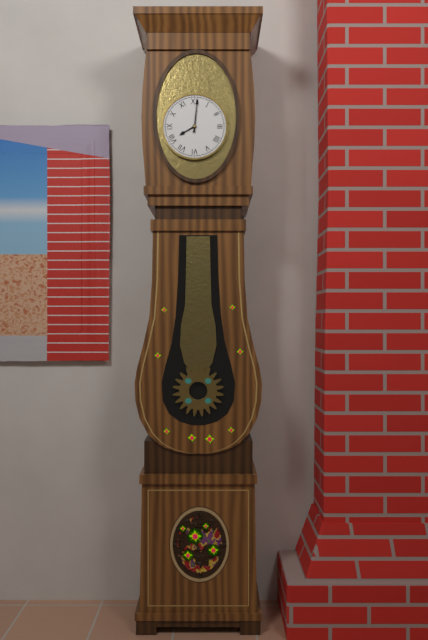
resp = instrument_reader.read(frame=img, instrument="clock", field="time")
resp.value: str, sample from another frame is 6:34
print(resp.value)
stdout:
8:01
